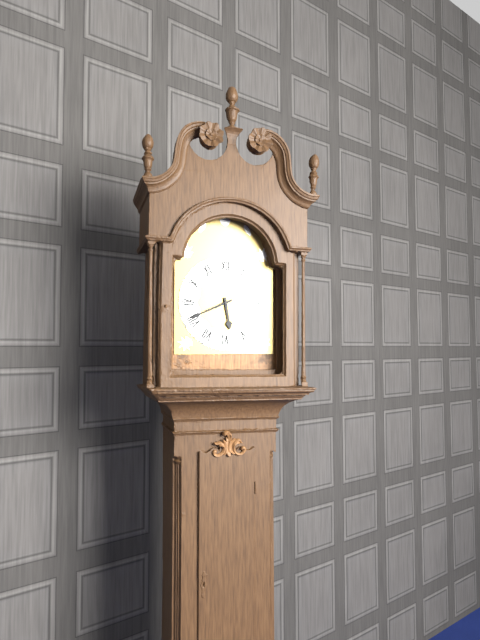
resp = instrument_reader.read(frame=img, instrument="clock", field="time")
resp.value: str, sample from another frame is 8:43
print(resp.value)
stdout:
5:41
